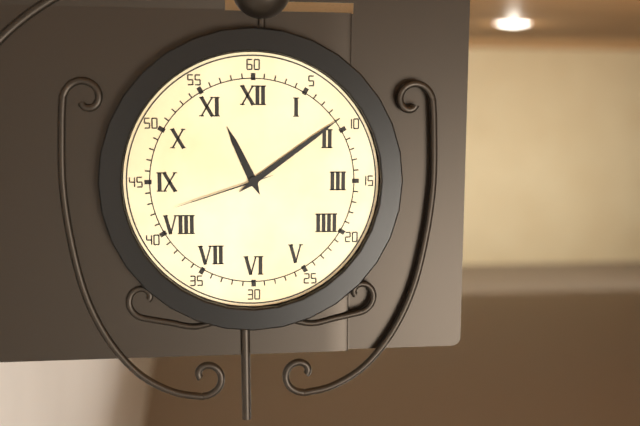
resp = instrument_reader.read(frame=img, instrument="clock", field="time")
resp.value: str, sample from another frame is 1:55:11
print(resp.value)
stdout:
11:09:42
